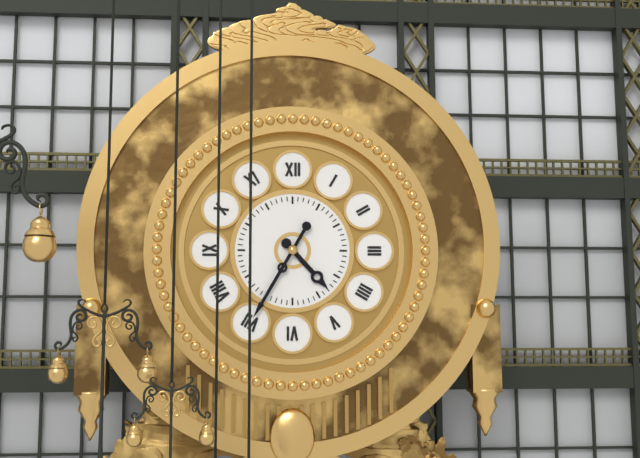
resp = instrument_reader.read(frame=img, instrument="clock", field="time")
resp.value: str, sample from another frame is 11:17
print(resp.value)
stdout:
4:35
